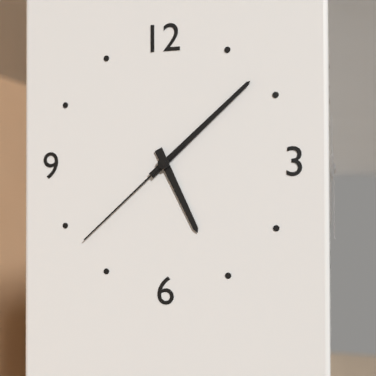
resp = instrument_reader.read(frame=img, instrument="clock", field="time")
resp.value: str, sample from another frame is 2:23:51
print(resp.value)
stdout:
5:08:38
